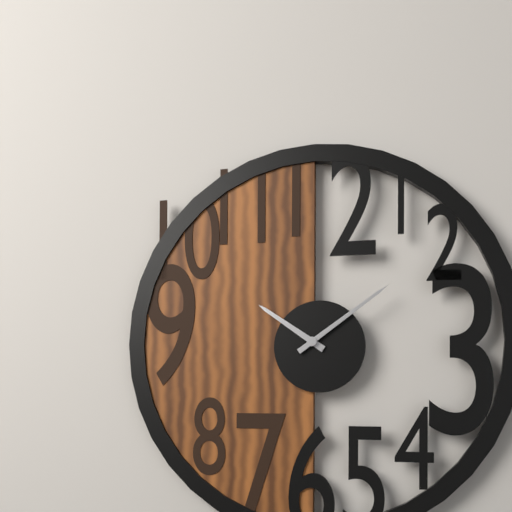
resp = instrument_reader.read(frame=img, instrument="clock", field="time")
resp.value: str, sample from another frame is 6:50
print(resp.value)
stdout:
10:09
